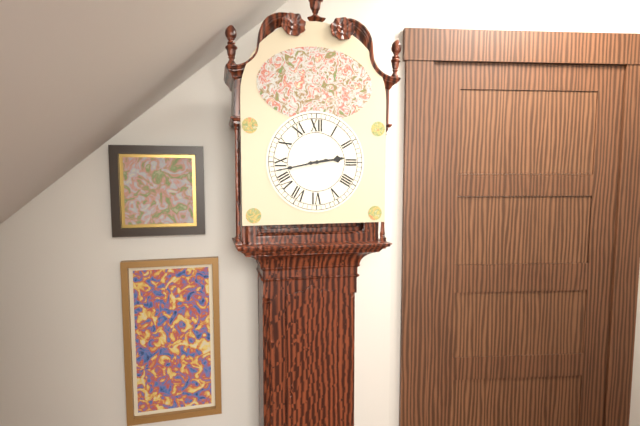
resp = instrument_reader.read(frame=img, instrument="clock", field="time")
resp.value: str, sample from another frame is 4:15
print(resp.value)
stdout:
2:43
